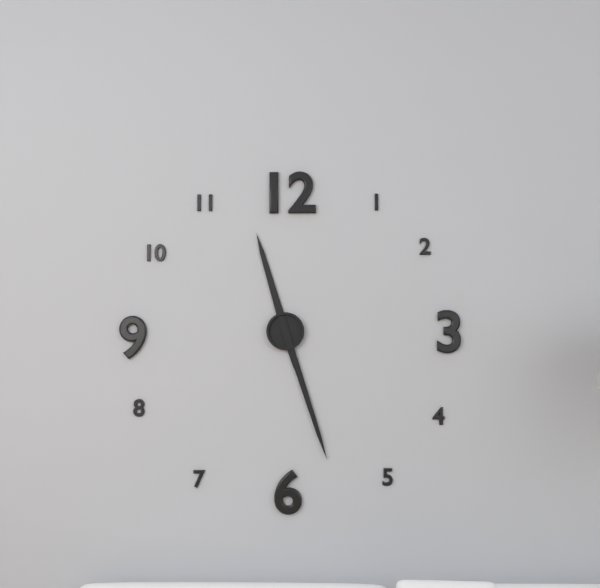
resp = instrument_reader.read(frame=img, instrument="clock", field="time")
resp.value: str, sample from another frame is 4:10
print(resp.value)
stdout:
11:27
